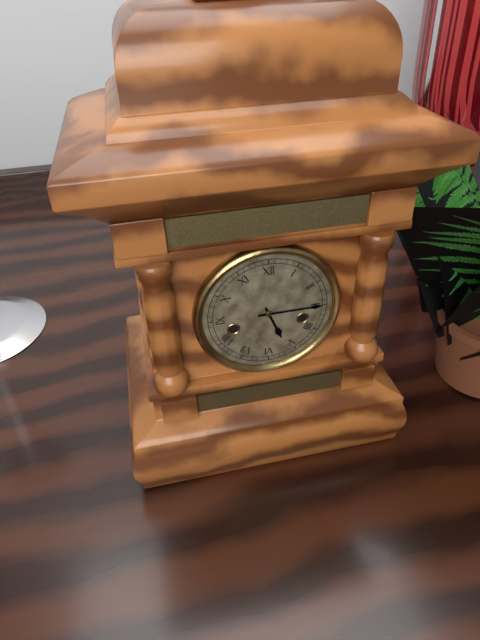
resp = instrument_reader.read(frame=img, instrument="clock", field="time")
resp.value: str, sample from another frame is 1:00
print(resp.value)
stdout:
5:15
